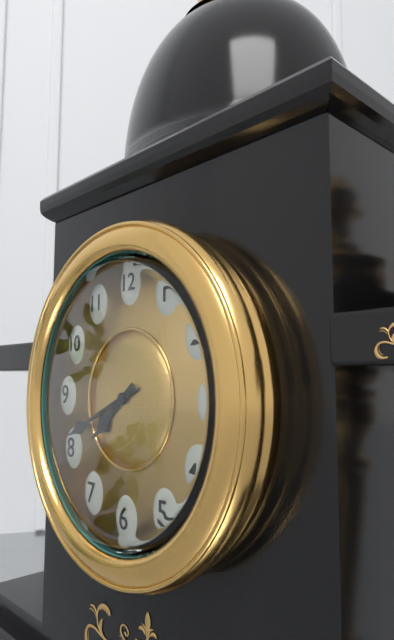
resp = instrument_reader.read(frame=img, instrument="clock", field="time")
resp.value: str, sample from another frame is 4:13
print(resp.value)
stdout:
7:41
